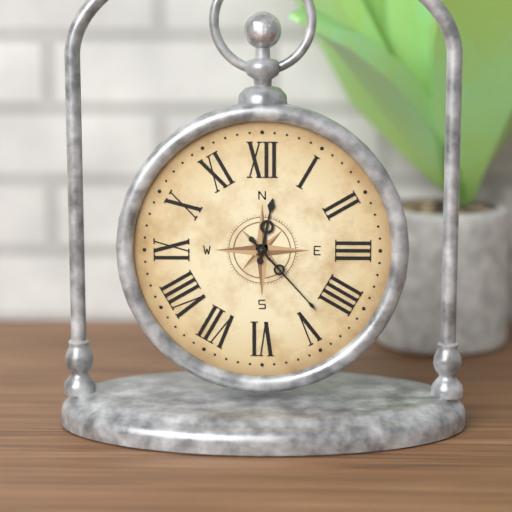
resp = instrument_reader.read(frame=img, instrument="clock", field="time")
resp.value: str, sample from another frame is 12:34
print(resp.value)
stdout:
12:23
